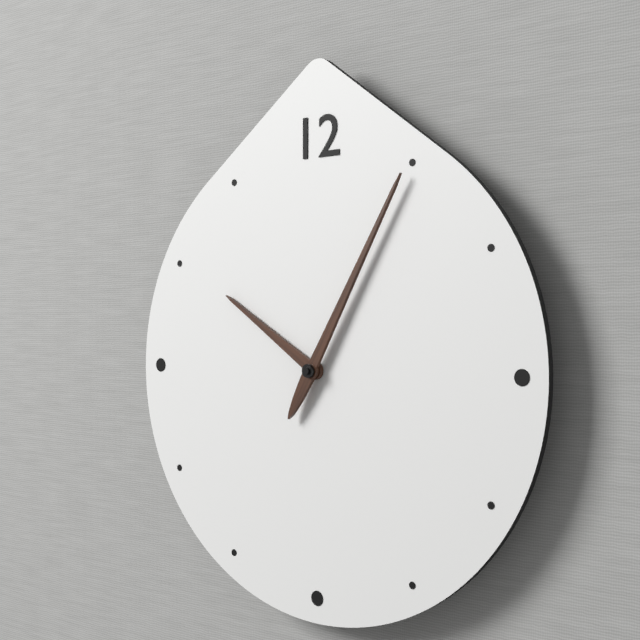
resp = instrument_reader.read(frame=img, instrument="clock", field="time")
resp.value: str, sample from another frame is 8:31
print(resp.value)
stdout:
10:05
